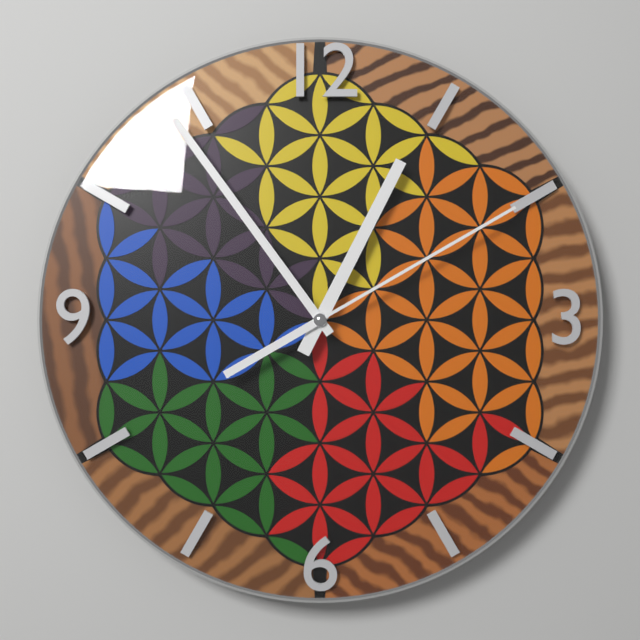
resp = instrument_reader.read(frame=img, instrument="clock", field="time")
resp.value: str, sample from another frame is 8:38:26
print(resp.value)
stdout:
12:54:10
